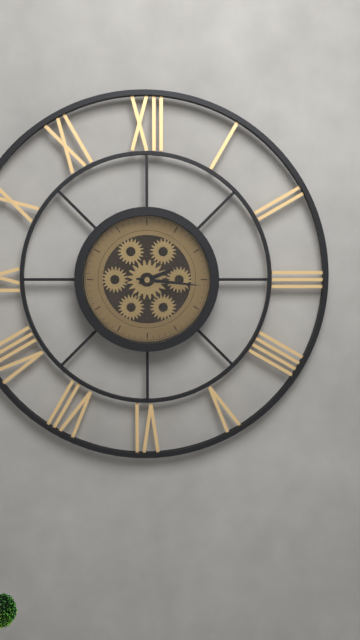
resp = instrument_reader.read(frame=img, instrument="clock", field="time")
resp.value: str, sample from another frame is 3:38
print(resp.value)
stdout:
2:16
